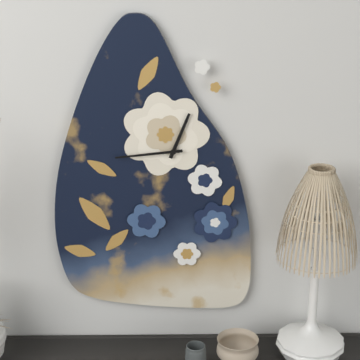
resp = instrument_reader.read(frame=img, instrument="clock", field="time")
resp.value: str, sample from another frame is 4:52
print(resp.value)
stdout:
12:44
